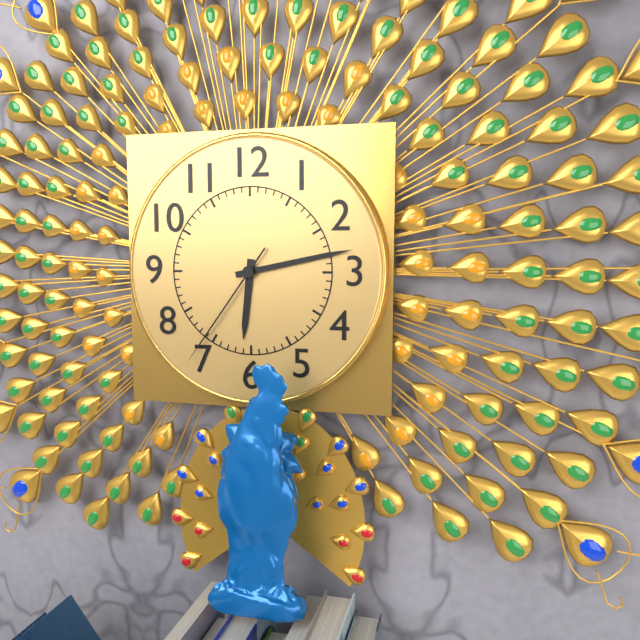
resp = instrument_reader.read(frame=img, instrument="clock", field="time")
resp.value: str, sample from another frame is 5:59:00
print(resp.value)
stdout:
6:13:36
